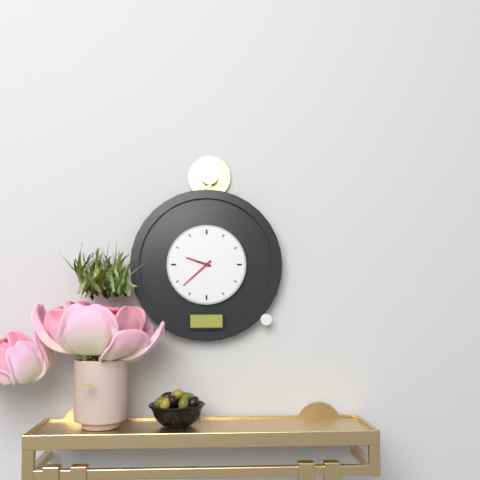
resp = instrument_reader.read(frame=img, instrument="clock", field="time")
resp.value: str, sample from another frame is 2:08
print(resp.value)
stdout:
9:38
